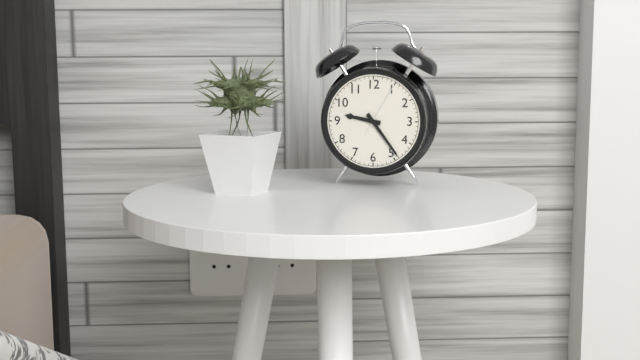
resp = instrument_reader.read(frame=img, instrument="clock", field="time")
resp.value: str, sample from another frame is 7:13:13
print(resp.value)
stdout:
9:24:05
